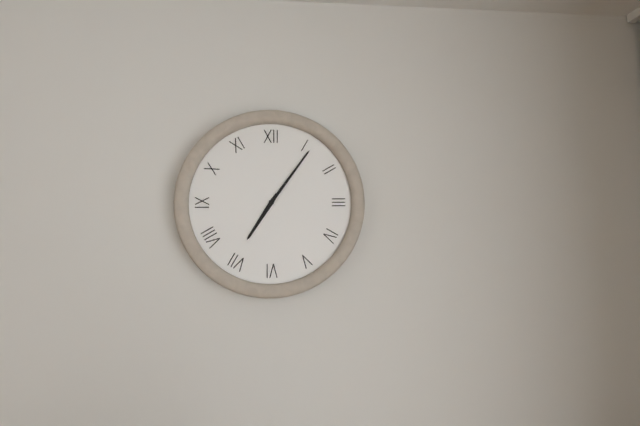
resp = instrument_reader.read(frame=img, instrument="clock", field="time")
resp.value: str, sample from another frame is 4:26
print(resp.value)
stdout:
7:06
